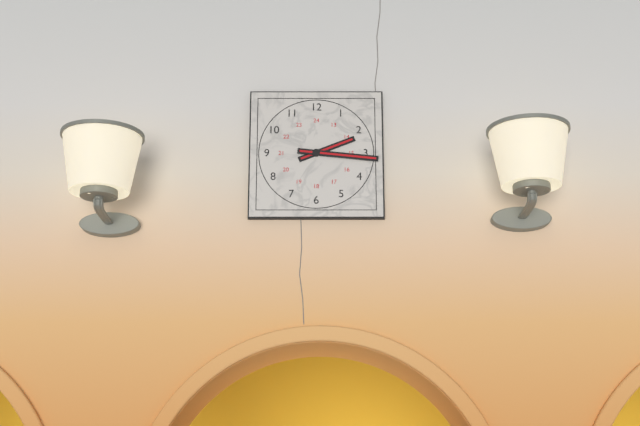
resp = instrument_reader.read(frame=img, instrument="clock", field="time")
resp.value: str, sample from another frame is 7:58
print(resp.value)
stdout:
2:16
